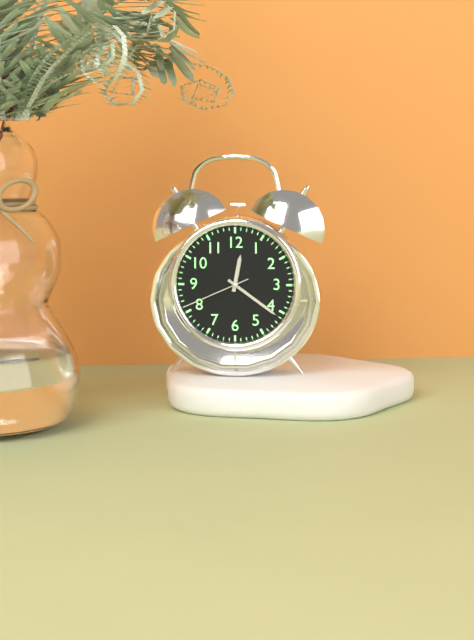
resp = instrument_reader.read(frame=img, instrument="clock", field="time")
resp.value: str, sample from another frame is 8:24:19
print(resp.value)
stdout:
12:21:41
